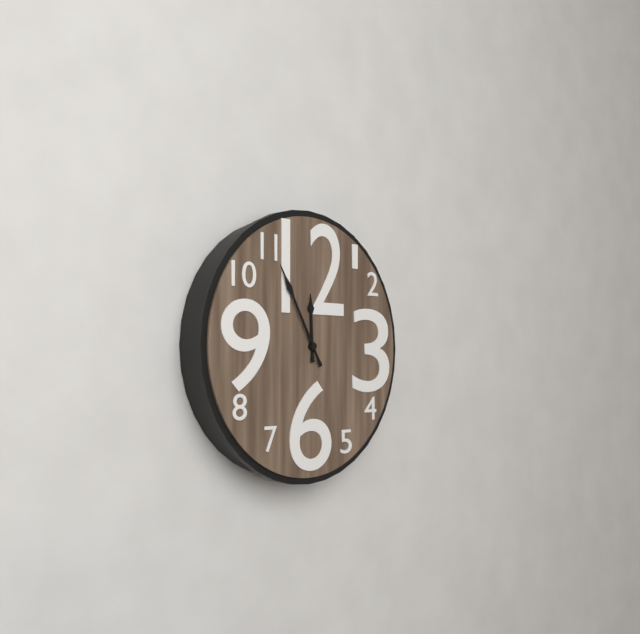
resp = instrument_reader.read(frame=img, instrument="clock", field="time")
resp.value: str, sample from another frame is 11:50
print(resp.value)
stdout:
11:55
